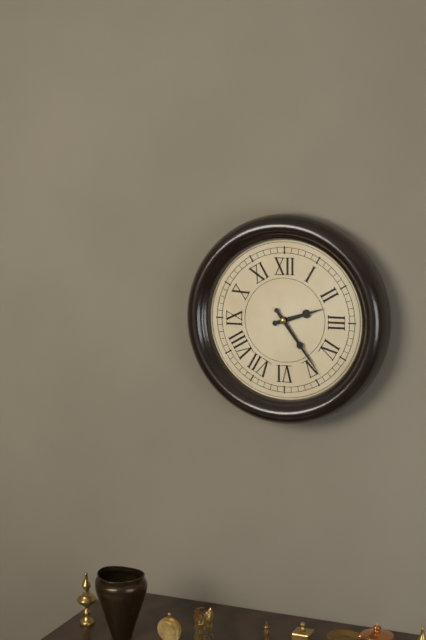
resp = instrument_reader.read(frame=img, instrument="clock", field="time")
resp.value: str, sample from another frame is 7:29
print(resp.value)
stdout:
2:24
